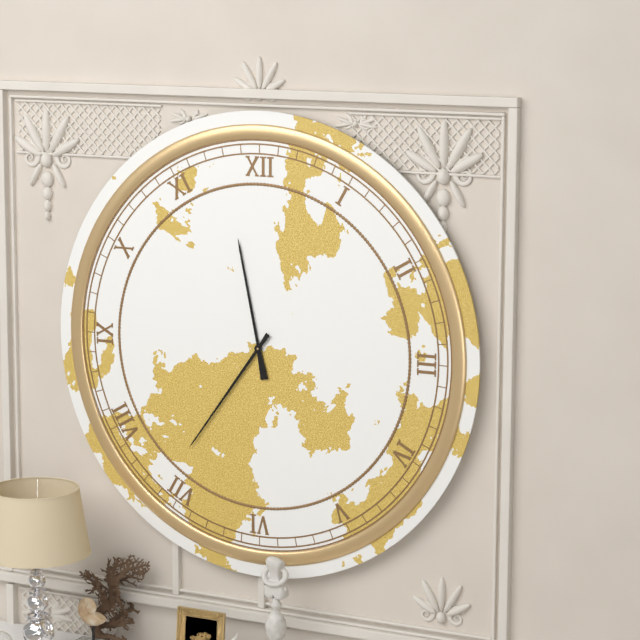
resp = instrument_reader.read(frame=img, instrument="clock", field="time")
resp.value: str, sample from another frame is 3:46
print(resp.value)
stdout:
11:36
